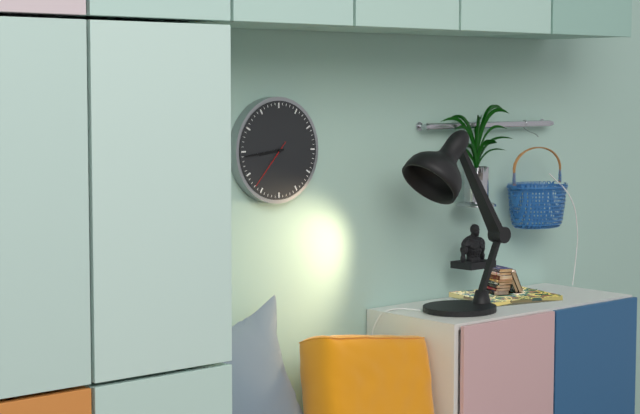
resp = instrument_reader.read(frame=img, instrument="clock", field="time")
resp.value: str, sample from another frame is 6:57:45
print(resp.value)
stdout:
8:44:37
